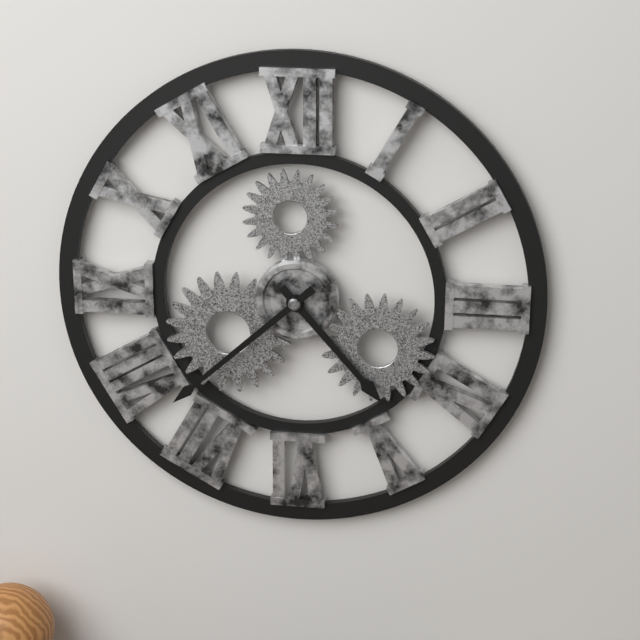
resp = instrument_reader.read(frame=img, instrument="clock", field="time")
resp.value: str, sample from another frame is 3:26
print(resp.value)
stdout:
4:38
